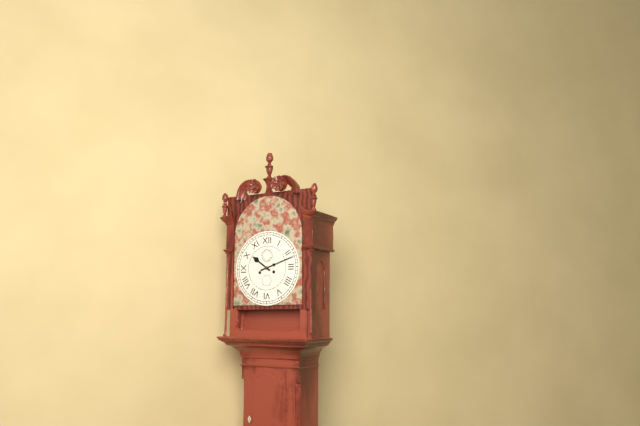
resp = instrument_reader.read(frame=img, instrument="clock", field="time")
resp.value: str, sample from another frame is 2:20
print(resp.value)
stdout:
10:12
